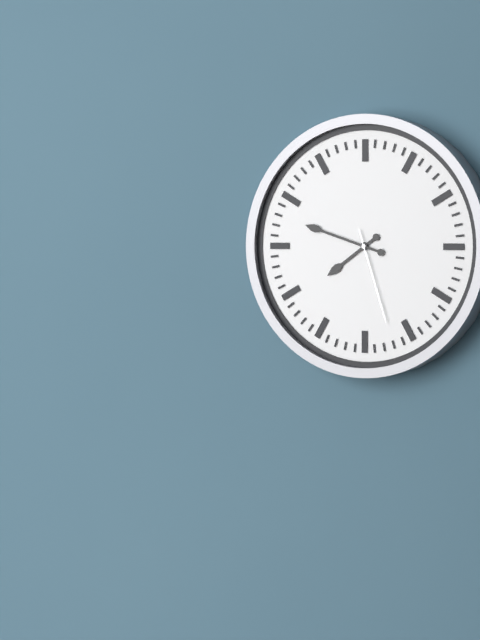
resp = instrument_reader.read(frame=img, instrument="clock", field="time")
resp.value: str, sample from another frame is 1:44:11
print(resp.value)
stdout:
7:48:27
